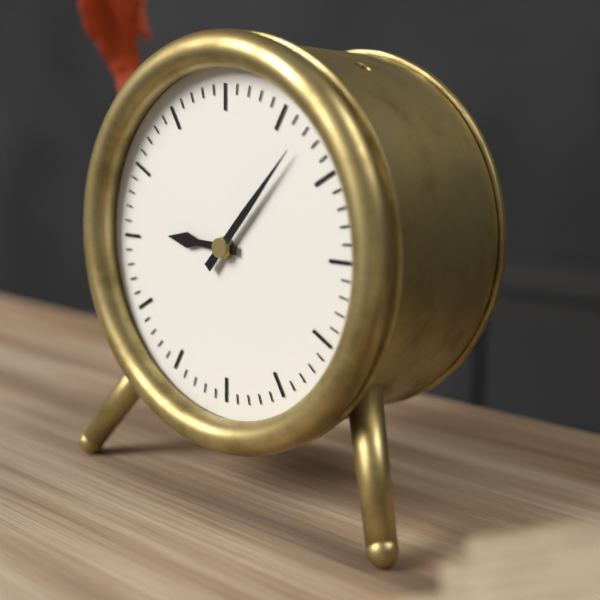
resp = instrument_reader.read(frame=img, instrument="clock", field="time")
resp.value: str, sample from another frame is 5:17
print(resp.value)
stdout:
9:07
